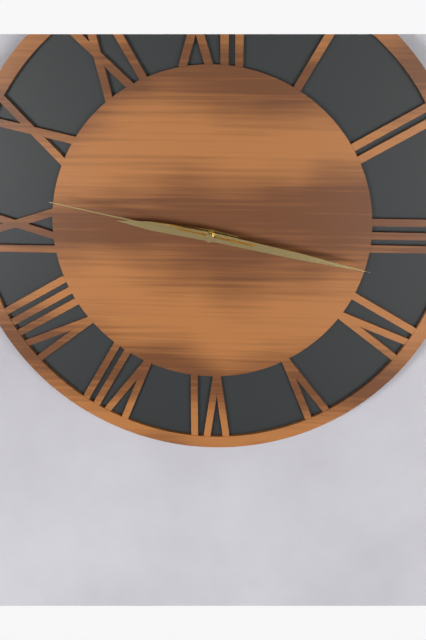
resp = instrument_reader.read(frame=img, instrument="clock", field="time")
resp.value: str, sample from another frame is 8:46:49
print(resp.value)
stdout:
9:17:47
